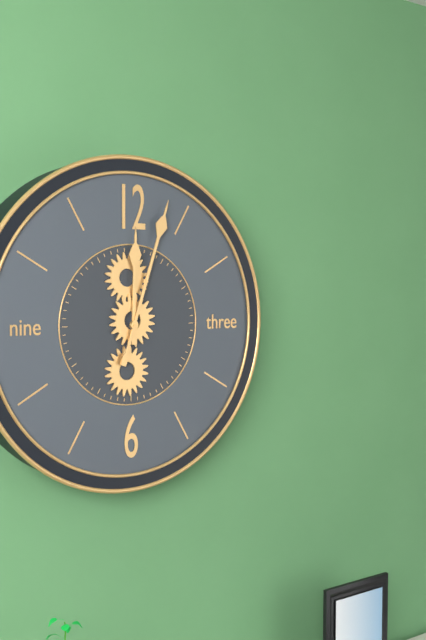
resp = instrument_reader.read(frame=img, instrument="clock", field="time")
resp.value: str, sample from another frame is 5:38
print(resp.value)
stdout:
12:03
